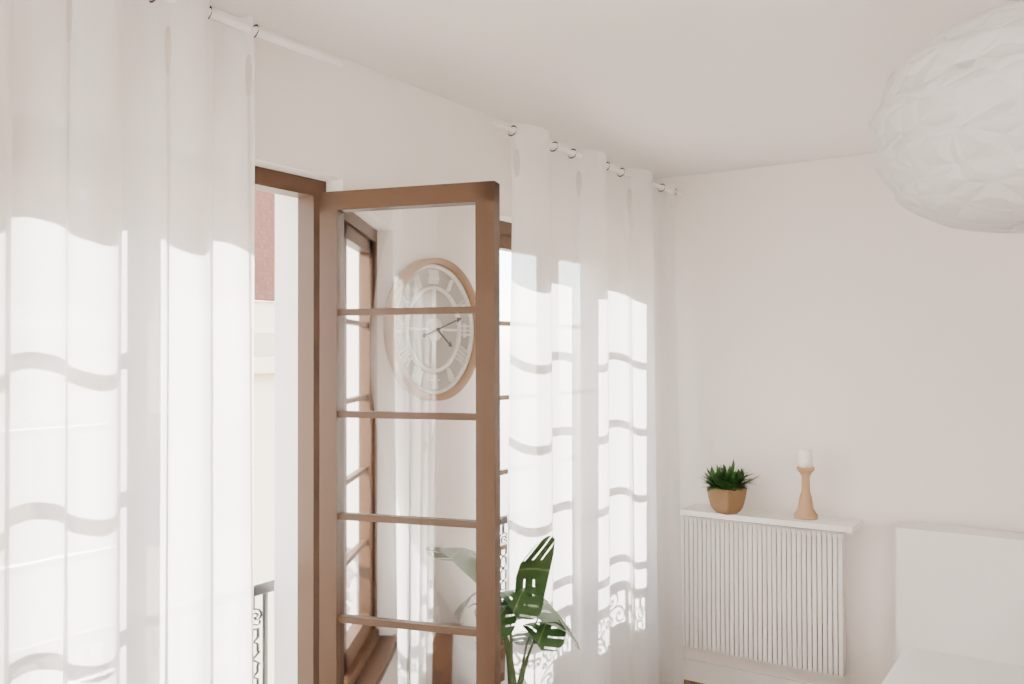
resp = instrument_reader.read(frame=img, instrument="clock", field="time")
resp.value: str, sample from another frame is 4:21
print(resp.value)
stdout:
4:12
